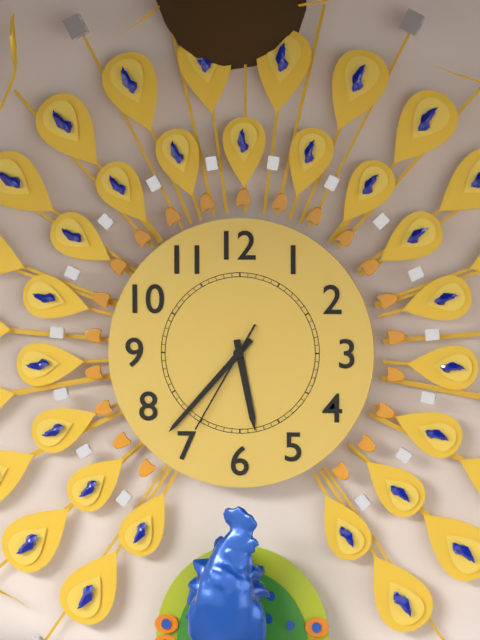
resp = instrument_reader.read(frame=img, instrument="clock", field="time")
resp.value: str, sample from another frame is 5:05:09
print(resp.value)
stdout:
5:37:35
